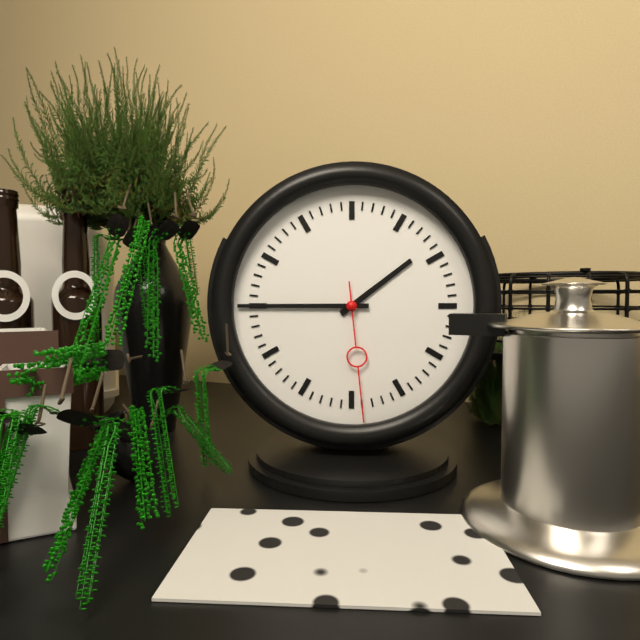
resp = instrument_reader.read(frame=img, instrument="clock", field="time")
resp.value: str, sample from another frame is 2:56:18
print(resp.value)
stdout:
1:45:29
